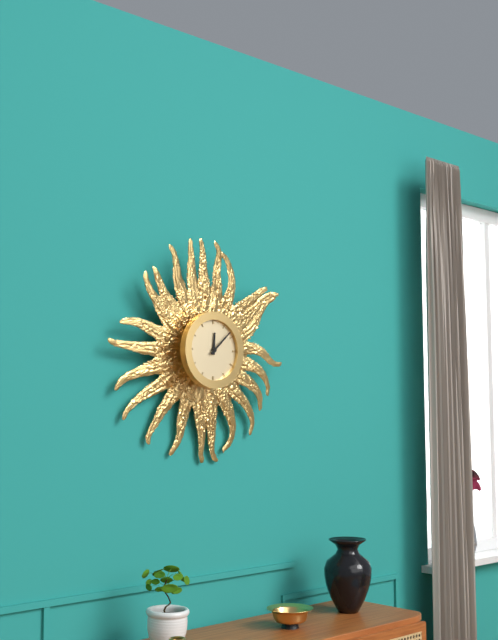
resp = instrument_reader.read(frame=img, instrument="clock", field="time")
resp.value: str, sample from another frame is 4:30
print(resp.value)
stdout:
12:08
